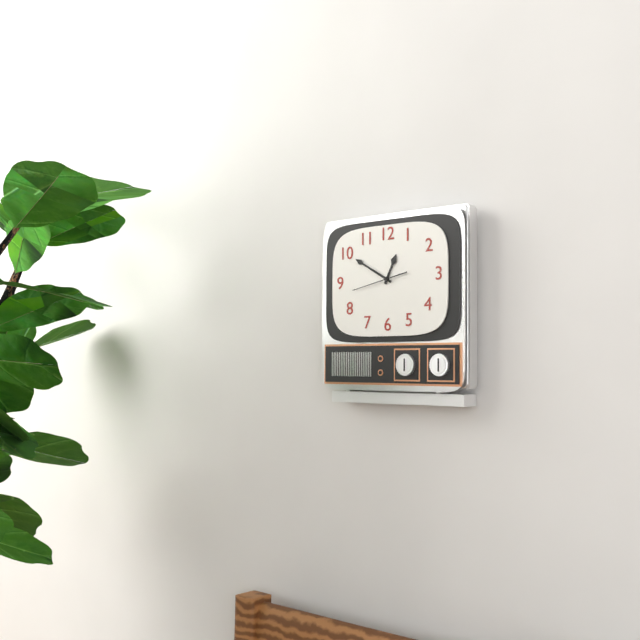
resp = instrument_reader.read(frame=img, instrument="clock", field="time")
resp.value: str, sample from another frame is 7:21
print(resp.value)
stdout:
12:50
